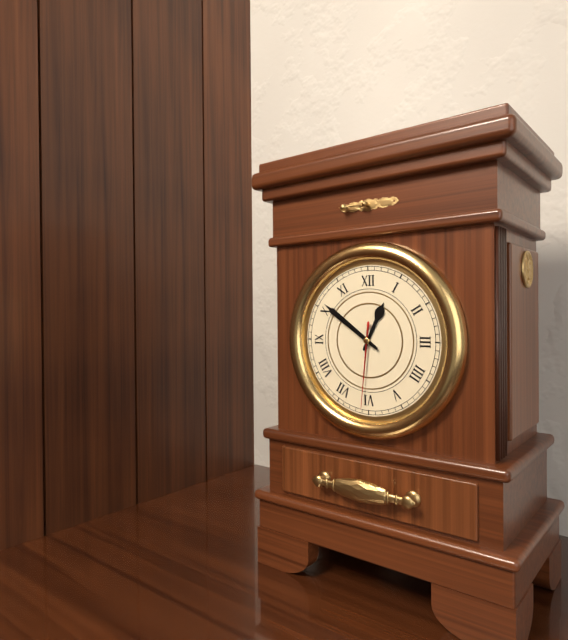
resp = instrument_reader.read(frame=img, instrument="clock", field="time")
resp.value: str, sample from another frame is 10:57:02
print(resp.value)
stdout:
12:51:31
